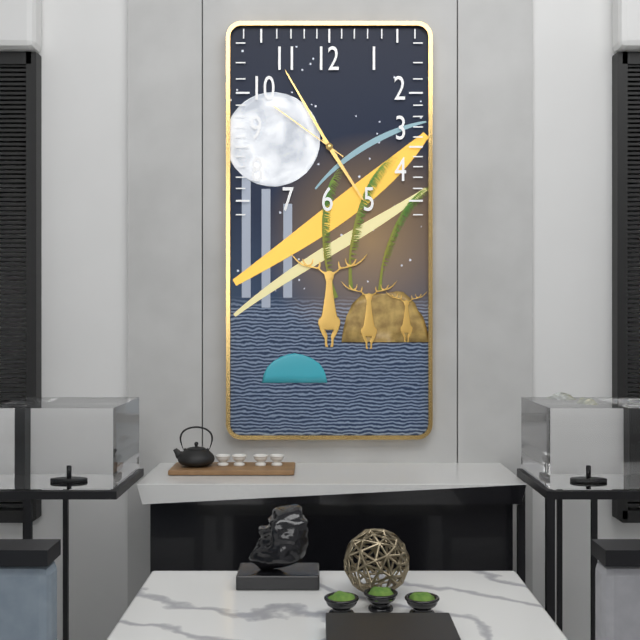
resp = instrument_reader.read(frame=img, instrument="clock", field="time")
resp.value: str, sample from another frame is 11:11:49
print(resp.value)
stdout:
4:55:51
